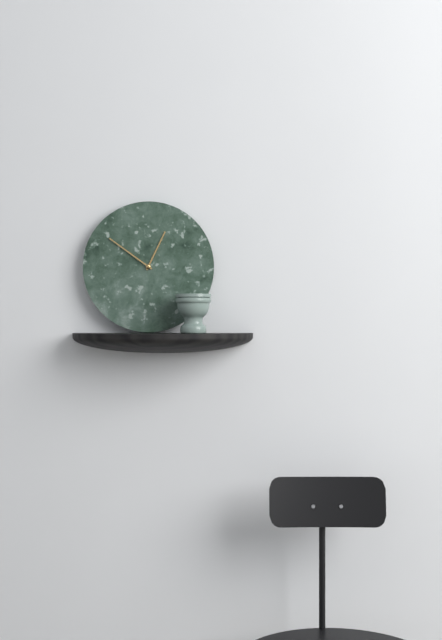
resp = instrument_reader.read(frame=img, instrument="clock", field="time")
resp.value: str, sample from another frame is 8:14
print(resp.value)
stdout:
12:51
